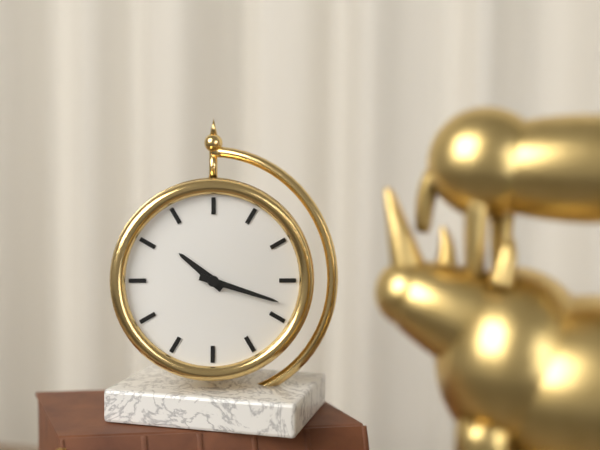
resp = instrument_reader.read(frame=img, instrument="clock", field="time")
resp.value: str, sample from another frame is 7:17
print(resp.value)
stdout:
10:18
